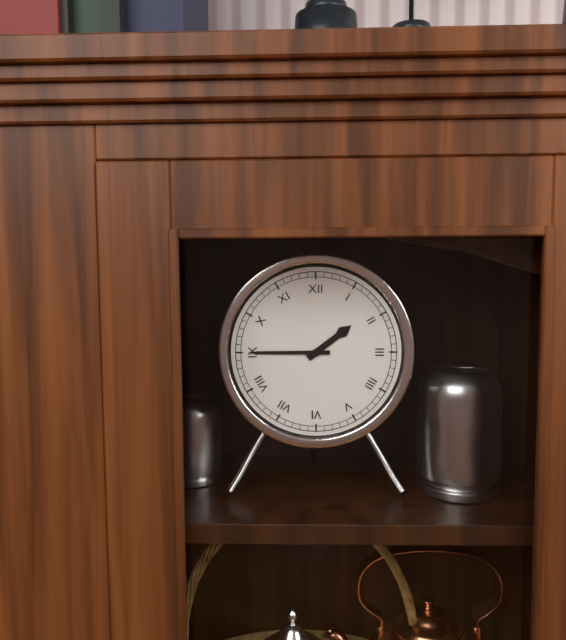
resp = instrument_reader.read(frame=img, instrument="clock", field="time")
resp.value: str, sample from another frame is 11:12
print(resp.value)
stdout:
1:45
